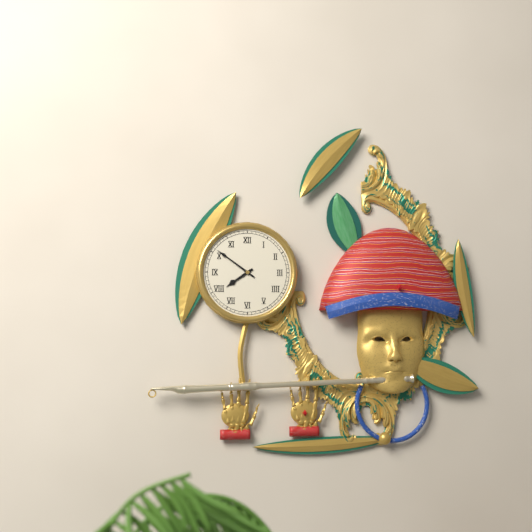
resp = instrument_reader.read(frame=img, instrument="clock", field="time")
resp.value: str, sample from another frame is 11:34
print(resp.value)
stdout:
7:51
